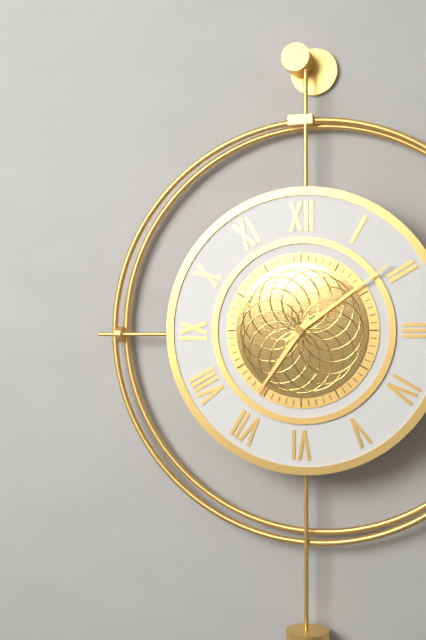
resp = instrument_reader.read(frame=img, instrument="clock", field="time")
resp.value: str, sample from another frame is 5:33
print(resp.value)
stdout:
7:09
